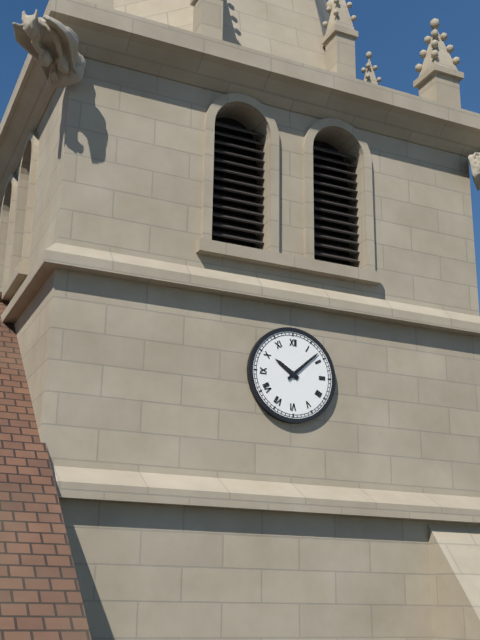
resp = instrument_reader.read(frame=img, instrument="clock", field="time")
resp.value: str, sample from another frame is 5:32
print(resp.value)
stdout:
10:08
